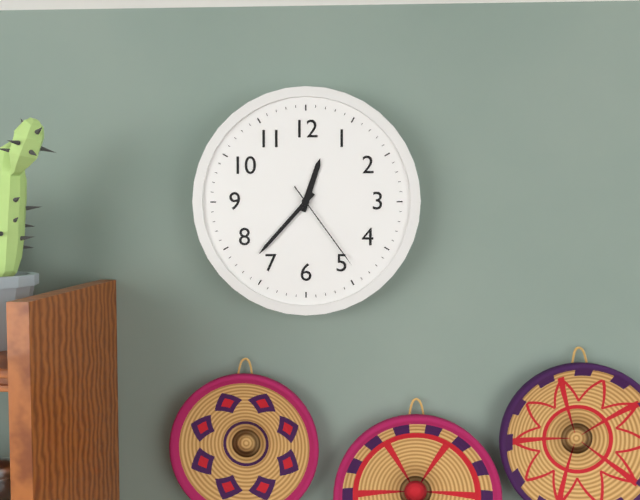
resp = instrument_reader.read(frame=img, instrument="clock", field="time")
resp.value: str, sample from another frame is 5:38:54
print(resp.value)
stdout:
12:37:24
